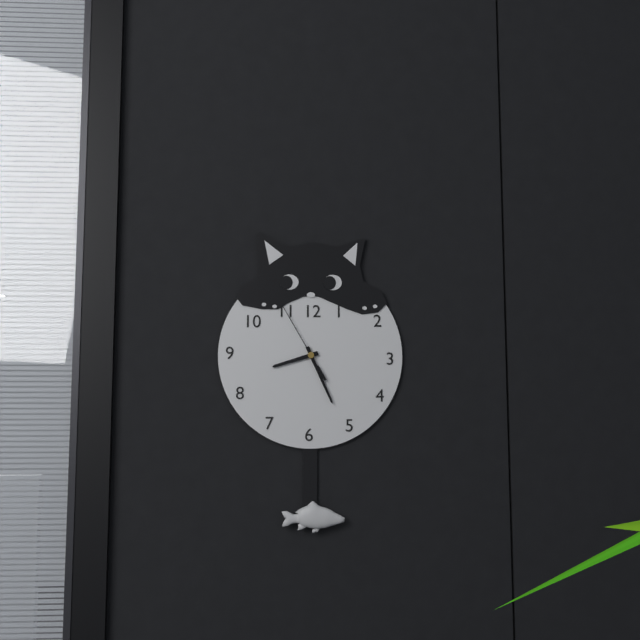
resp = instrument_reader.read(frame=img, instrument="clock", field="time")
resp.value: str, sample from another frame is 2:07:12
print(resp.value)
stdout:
8:26:55
